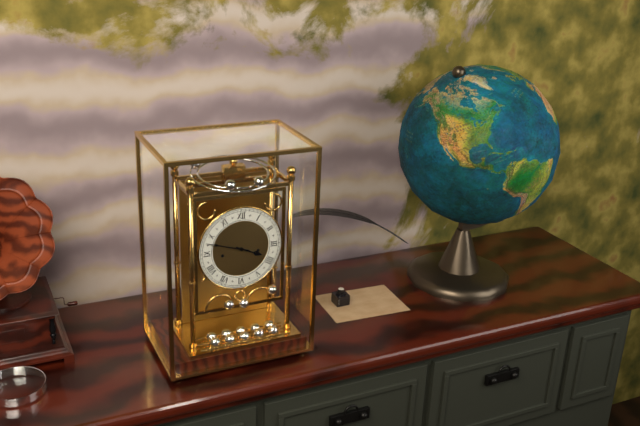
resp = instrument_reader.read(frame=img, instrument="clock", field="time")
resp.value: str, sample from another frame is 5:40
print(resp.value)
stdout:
3:48
